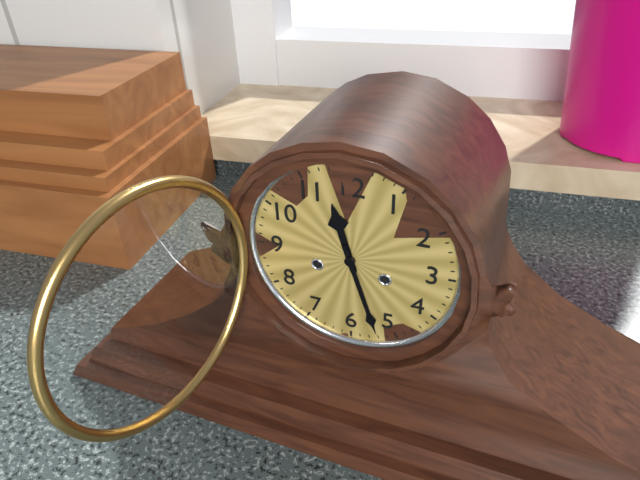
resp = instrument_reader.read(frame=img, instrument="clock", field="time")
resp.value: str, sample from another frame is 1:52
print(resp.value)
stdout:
11:27
